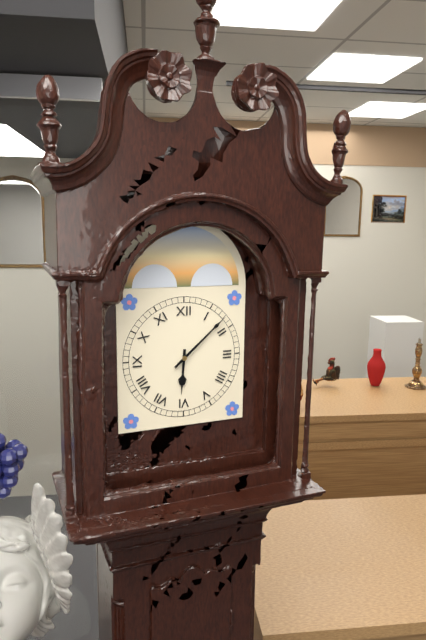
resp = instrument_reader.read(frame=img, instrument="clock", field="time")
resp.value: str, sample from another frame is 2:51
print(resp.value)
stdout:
6:08
